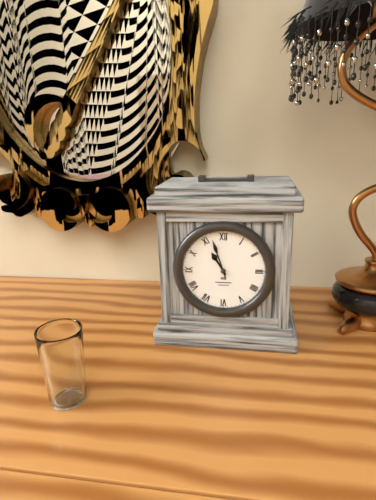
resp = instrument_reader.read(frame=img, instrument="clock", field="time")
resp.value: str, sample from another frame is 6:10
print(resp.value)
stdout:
10:57
